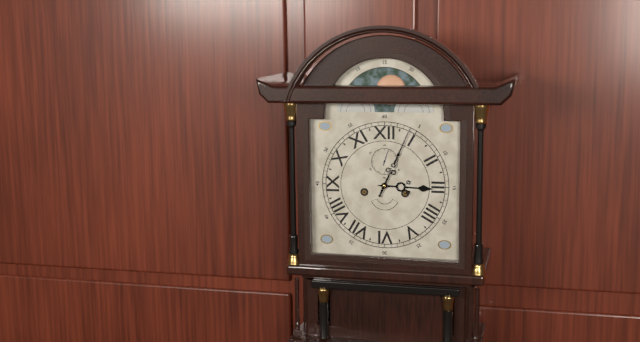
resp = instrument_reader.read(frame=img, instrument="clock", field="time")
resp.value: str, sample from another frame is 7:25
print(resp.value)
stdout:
3:04
